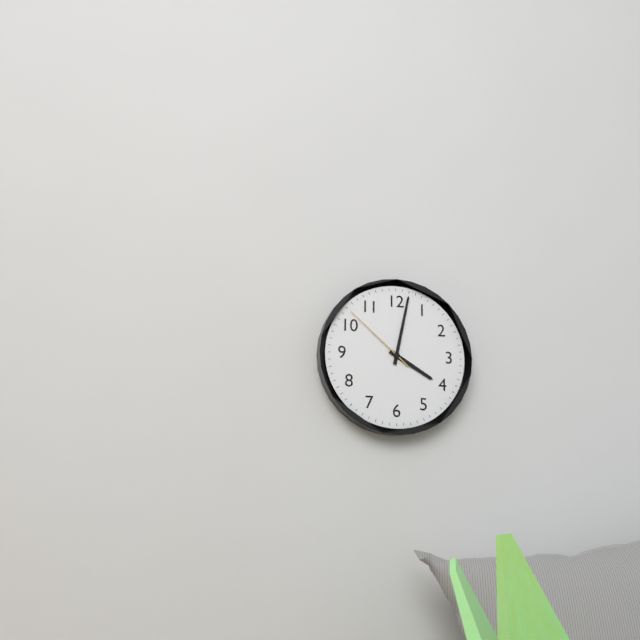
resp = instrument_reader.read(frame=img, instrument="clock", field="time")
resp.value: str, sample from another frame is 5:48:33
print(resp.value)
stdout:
4:02:52
